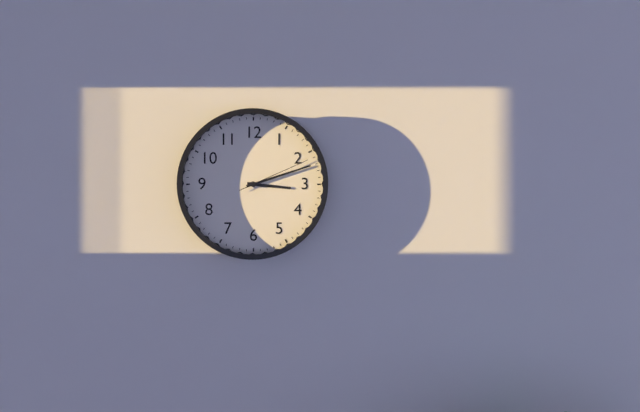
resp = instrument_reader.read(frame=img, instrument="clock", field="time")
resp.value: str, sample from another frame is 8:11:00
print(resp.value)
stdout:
3:12:11
